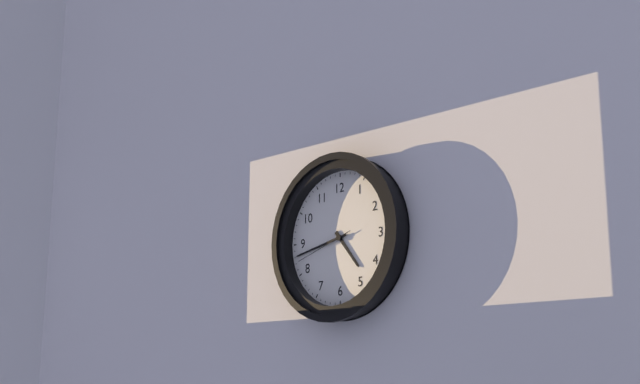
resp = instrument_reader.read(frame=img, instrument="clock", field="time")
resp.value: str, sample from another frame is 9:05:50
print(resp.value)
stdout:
4:43:42
